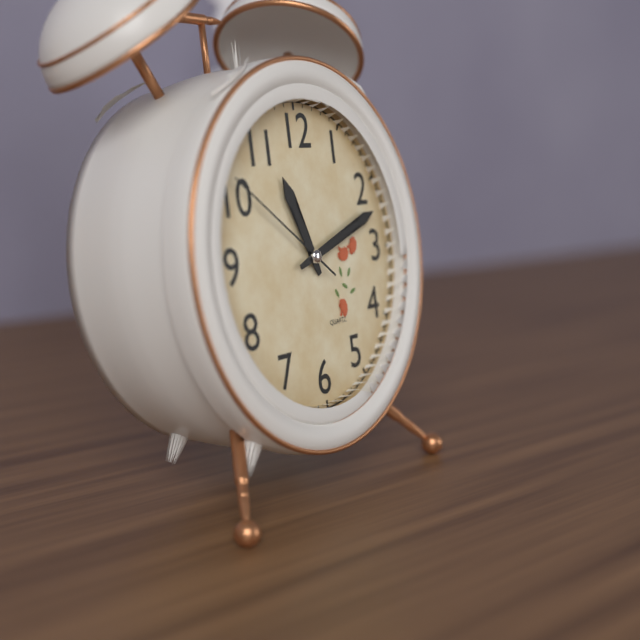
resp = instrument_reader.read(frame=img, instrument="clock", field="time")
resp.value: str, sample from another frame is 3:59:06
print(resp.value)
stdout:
11:12:51
